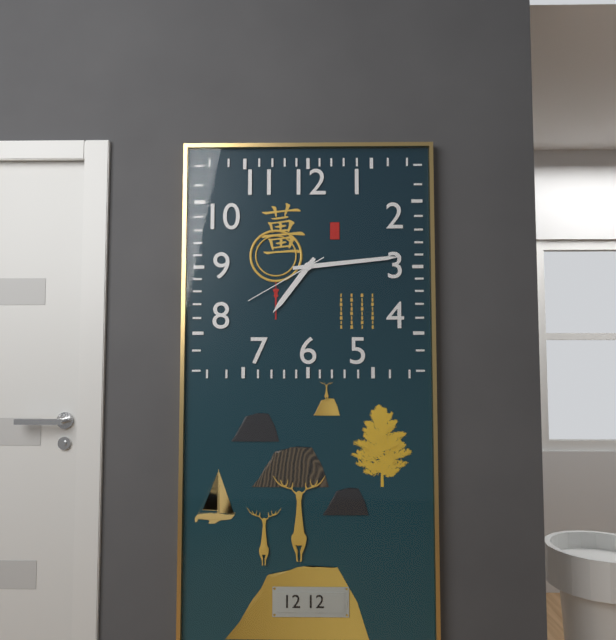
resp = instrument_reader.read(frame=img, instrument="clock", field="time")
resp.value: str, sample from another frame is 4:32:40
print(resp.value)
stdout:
7:14:40
